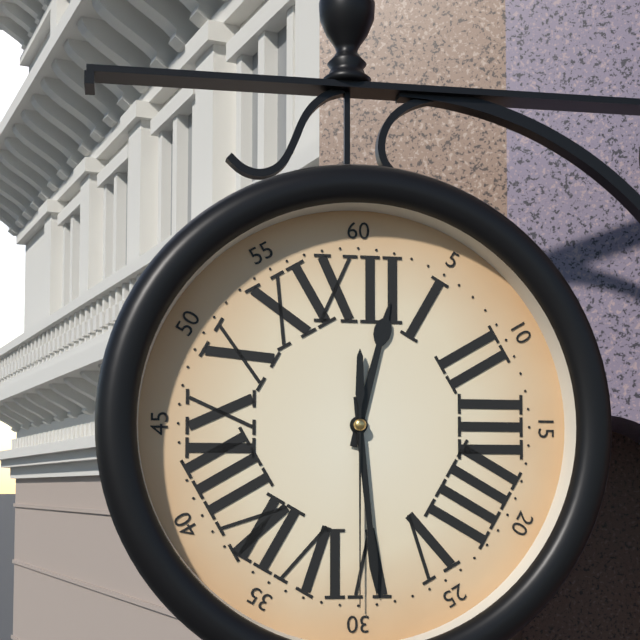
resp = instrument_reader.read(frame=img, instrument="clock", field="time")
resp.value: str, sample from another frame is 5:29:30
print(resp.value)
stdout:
12:29:30
